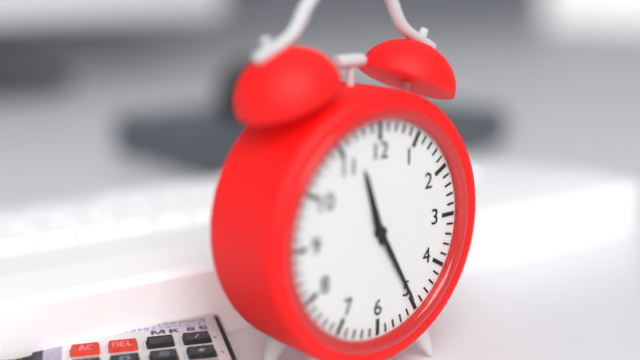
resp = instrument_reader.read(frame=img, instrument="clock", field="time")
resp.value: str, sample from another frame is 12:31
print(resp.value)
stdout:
11:25
